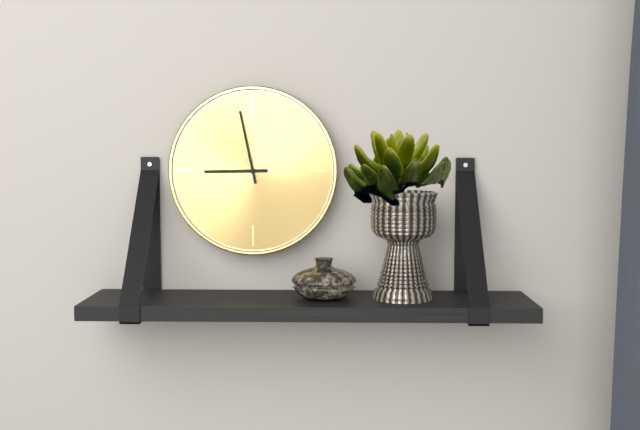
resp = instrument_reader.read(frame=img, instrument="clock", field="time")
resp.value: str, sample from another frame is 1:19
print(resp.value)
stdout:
8:58
